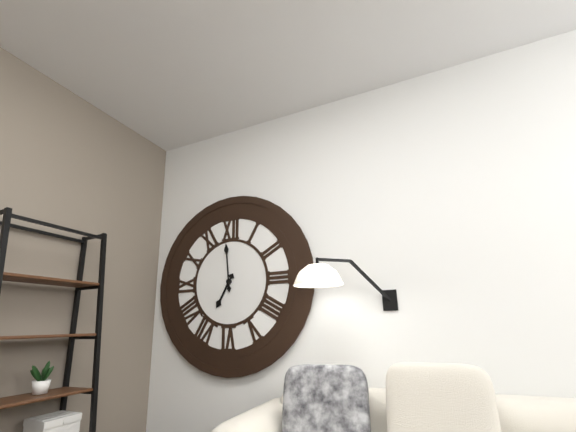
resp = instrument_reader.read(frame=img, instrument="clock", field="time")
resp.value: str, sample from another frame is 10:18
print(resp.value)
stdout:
6:59
